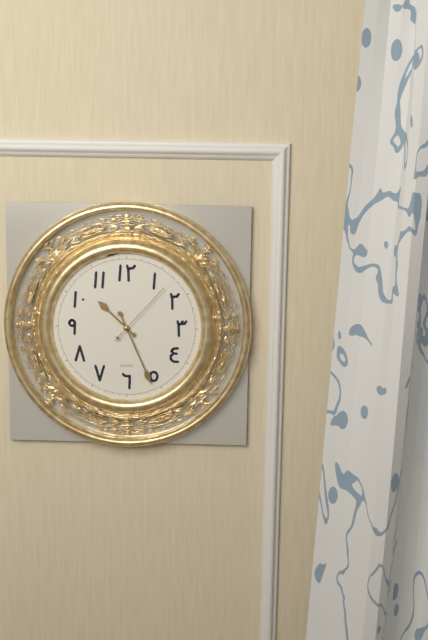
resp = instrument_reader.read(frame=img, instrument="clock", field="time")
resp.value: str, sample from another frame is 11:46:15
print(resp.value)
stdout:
10:26:07
